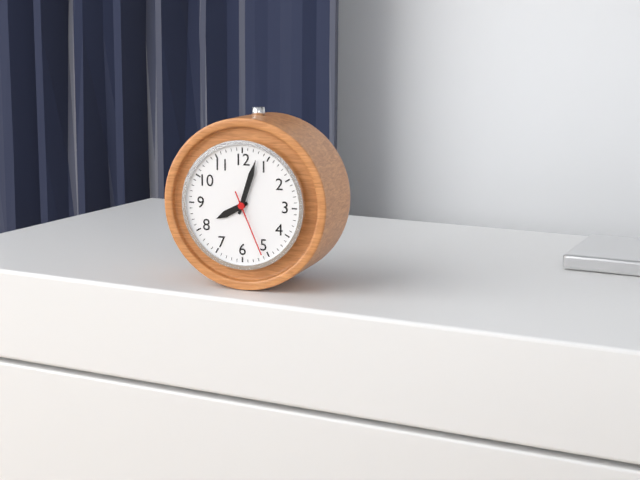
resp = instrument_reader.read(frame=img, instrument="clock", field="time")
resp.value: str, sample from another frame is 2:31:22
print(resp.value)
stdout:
8:03:26
